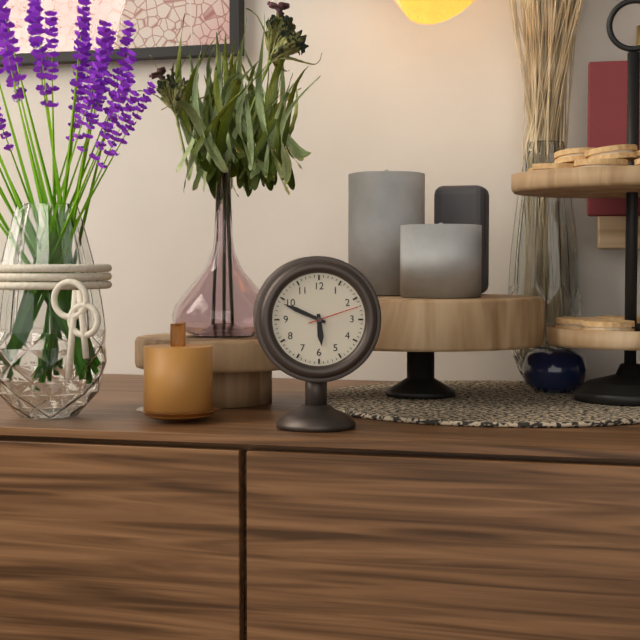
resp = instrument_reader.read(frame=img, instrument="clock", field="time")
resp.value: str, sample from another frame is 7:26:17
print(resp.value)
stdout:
5:49:12
